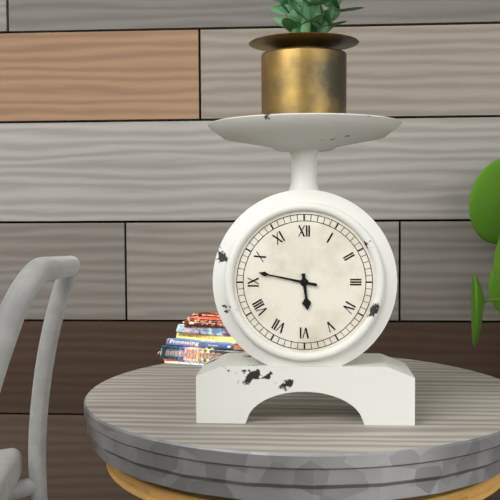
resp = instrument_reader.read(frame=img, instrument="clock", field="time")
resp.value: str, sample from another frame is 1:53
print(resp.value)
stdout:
5:47
